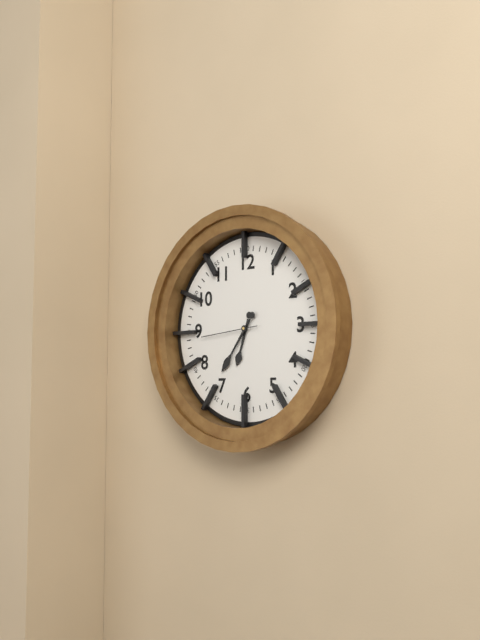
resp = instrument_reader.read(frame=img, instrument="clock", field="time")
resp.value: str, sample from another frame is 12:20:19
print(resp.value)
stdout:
6:36:44
